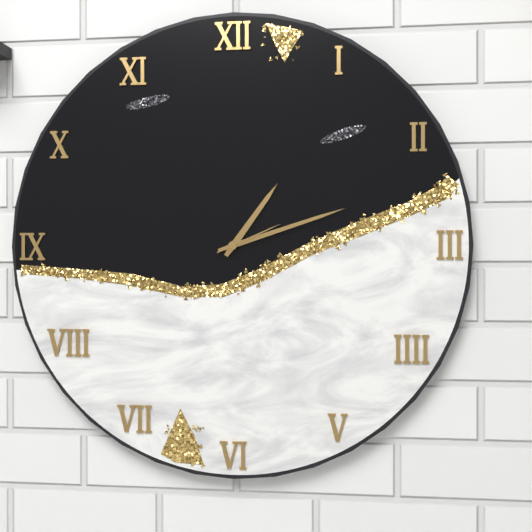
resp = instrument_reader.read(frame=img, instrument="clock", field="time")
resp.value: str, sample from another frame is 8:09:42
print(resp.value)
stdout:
1:12:11
